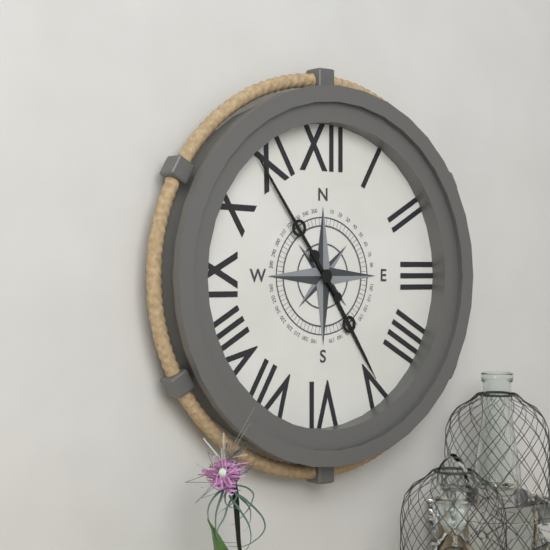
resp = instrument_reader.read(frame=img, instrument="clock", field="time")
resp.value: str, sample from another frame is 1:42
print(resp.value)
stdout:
4:54
